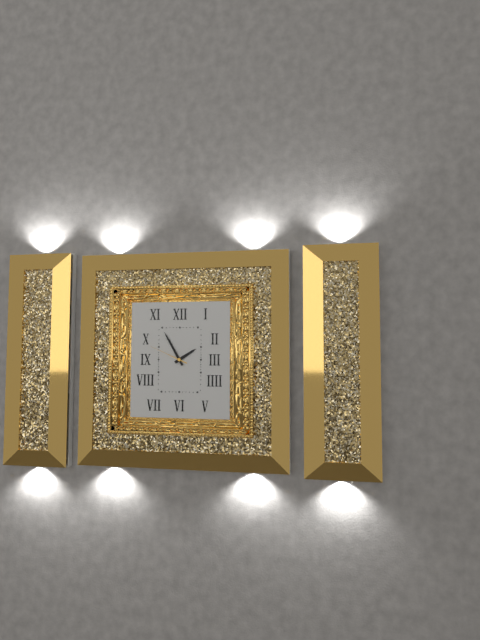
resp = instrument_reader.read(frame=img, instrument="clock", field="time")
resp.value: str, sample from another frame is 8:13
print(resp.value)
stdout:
1:55
